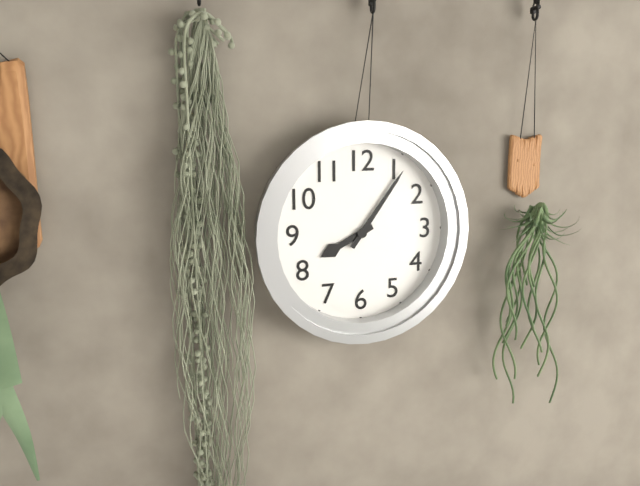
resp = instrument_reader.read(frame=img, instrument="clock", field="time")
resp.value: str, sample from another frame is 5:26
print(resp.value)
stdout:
8:06
